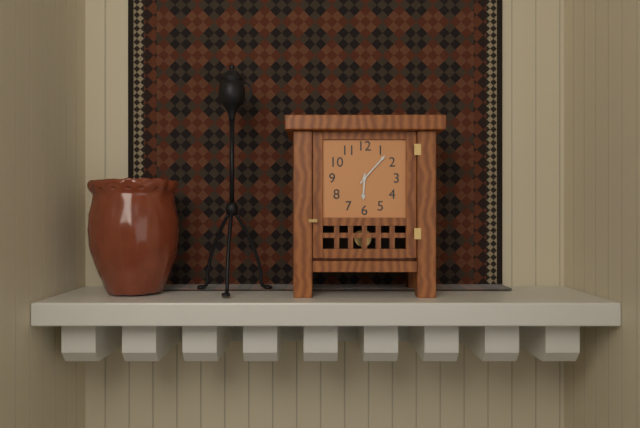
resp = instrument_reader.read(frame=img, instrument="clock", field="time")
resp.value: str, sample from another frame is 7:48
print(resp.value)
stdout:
6:07
